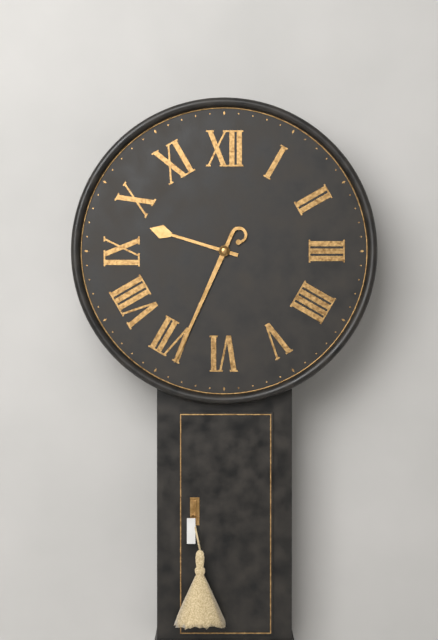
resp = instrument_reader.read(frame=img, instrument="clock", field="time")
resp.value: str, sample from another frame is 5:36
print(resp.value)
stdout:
9:34
